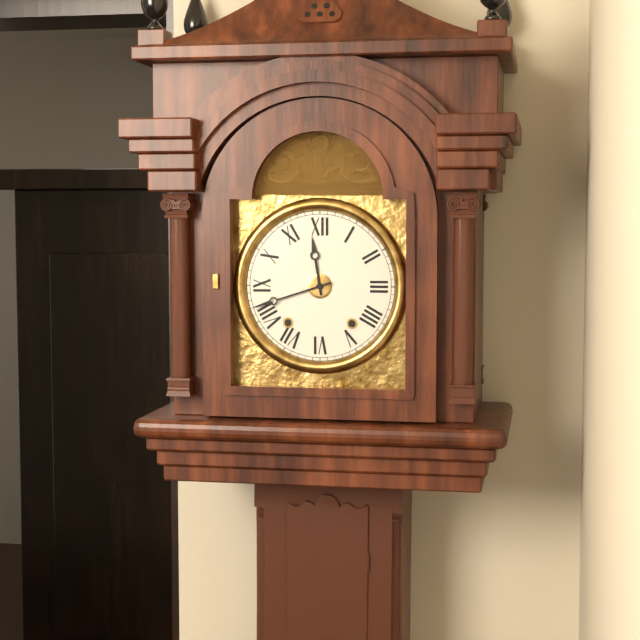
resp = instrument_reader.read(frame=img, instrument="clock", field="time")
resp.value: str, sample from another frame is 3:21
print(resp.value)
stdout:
11:42
